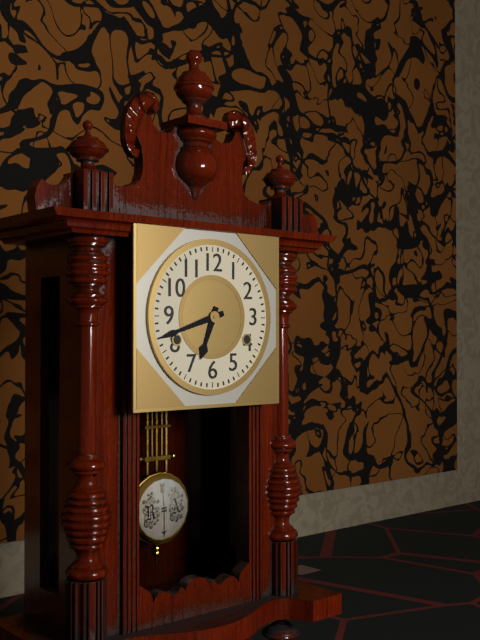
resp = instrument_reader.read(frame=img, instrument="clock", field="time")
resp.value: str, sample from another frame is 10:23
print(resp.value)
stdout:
6:42
